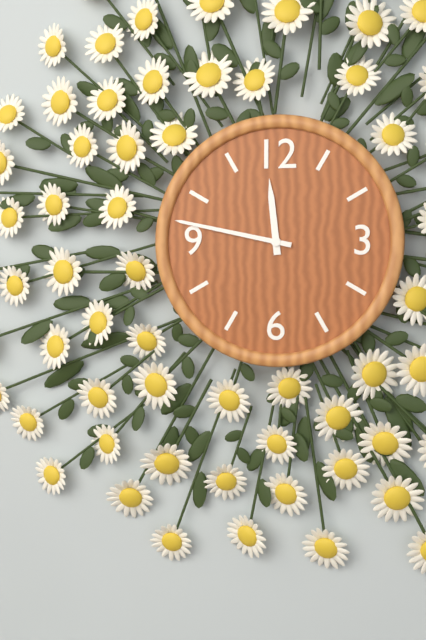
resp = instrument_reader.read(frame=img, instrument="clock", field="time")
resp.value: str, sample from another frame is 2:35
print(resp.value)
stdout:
11:47
